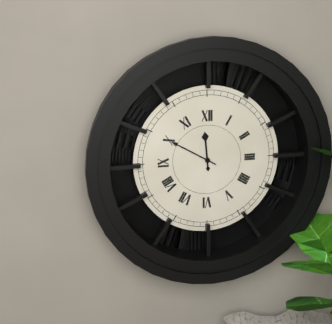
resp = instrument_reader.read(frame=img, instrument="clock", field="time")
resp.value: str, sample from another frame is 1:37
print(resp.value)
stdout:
11:50
